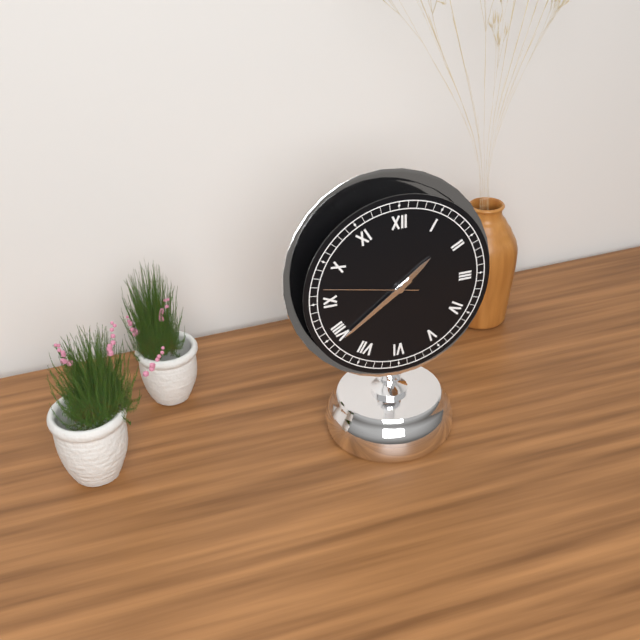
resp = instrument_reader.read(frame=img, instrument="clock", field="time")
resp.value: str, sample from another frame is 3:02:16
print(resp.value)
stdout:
1:39:47
